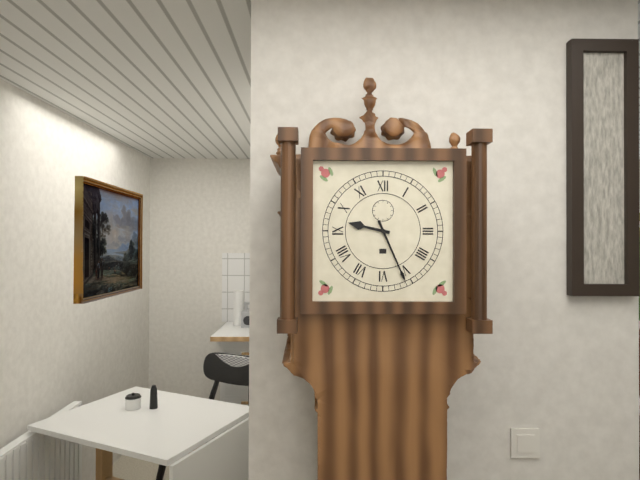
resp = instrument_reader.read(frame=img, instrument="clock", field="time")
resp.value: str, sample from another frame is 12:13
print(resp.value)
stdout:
9:26
